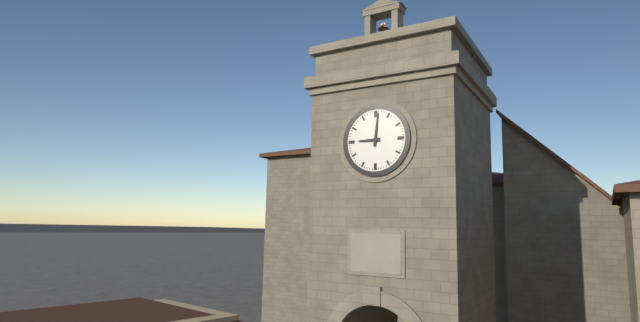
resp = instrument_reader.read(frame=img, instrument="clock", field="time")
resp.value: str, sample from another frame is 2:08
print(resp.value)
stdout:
9:01
